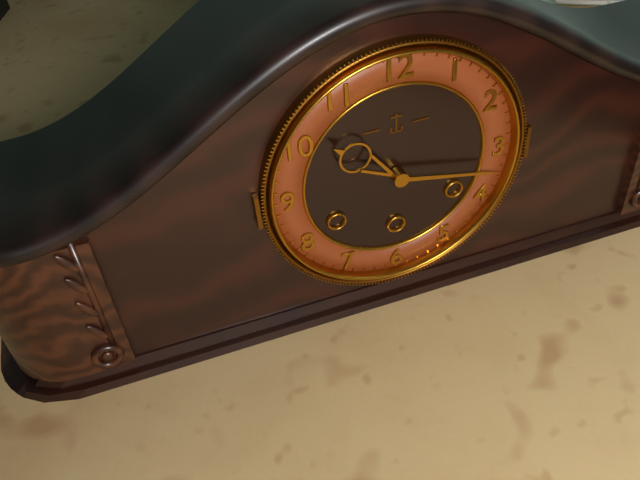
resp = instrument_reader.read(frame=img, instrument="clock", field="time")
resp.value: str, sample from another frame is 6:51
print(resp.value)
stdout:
10:17
